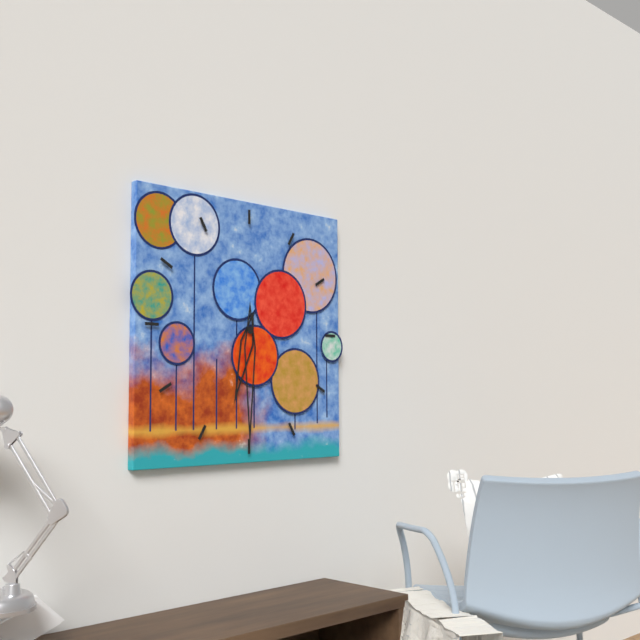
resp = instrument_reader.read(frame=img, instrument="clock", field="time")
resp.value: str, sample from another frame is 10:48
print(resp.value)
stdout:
6:30
